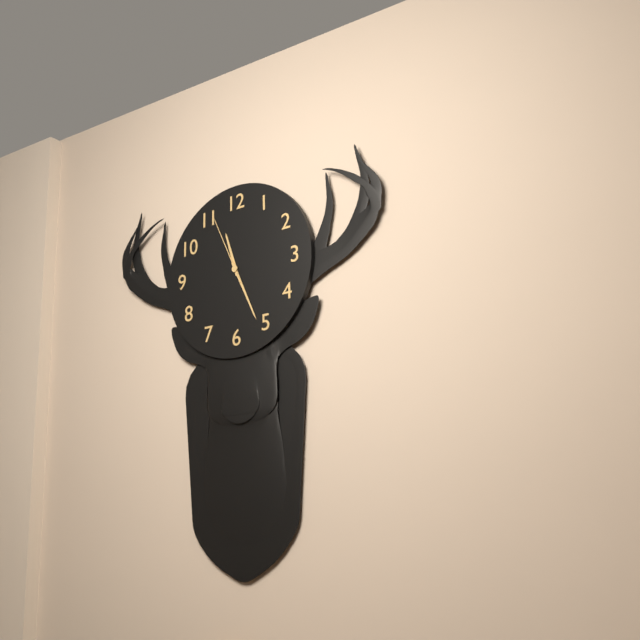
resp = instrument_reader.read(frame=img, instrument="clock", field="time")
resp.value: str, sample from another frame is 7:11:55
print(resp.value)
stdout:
11:26:56
